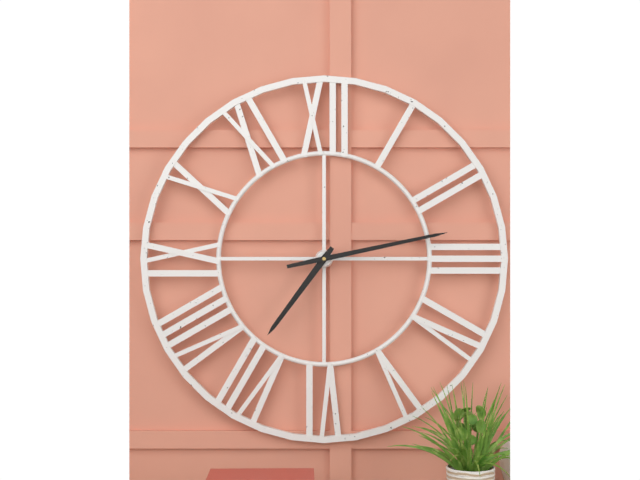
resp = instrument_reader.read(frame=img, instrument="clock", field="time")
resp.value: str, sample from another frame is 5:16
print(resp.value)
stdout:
7:13
